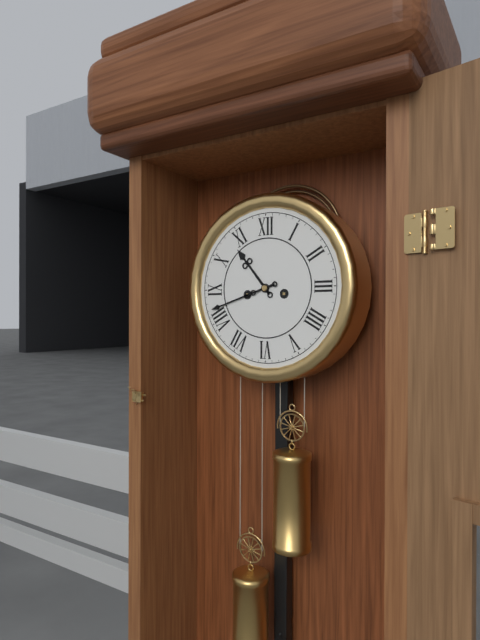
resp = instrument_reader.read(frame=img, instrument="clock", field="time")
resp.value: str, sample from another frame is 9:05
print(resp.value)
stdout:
10:42
